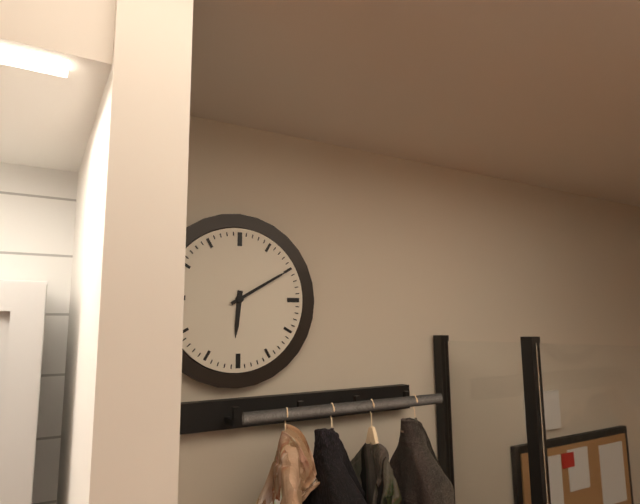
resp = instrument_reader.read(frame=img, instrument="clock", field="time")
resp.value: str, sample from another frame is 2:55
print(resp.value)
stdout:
6:10
